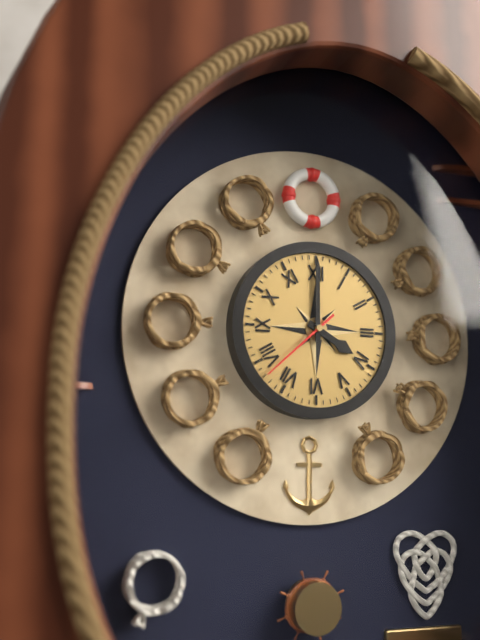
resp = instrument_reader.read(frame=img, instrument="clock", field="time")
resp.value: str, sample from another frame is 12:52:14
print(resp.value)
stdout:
4:00:38
